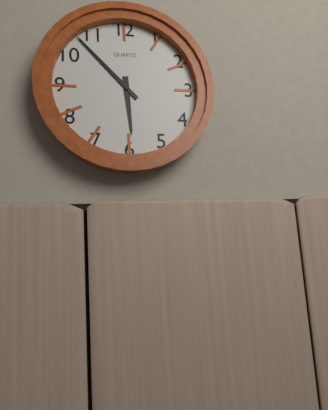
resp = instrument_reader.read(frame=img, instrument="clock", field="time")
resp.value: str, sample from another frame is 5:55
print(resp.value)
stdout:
5:53
